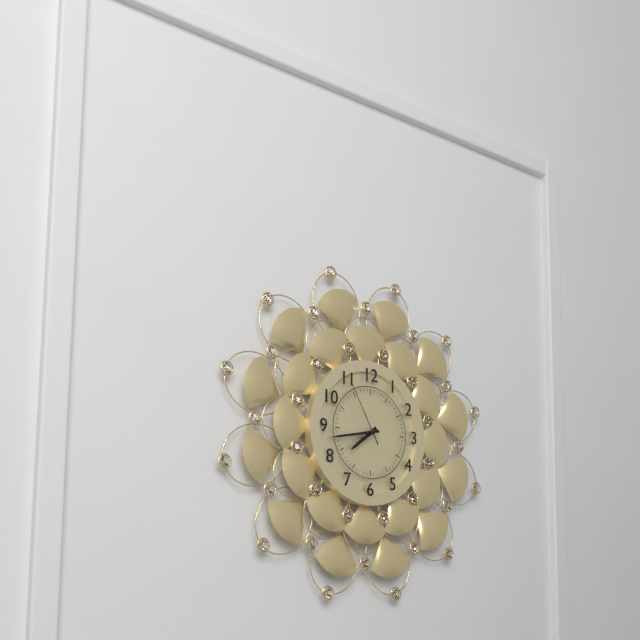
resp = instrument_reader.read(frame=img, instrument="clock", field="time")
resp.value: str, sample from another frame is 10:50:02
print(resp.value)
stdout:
7:43:55
